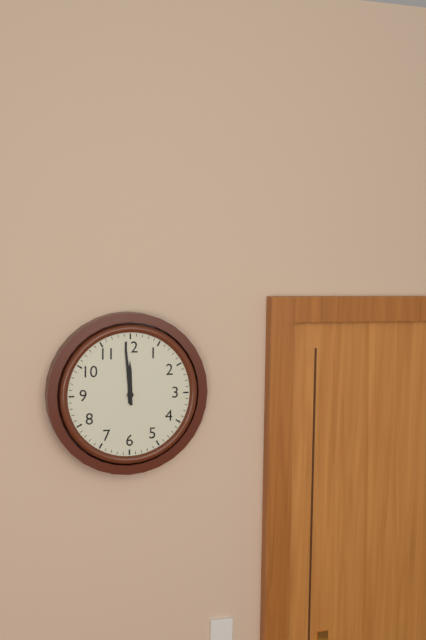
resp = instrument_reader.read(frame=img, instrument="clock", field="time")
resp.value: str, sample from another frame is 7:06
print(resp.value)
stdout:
11:59
